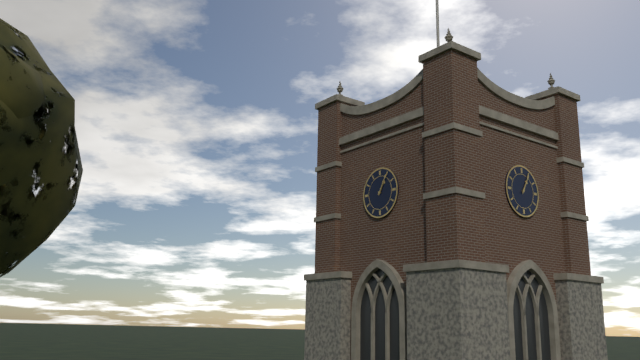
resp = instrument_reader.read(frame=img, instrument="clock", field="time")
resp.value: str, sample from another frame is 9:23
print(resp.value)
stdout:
1:05
